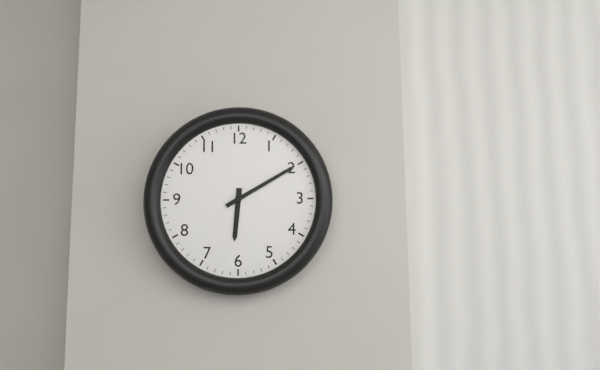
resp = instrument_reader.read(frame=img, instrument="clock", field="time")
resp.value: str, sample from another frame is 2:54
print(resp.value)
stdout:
6:10
